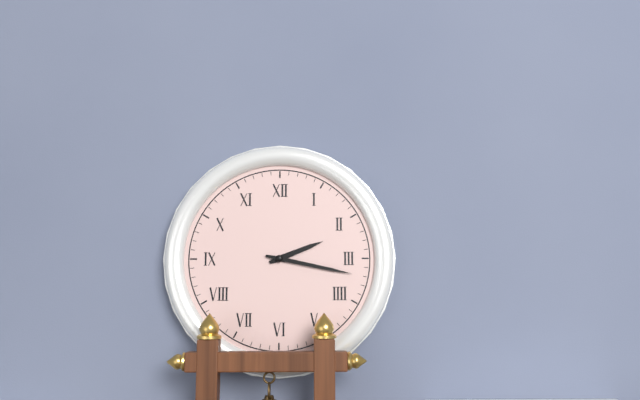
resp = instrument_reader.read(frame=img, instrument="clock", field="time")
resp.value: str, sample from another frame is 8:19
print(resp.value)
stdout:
2:17
